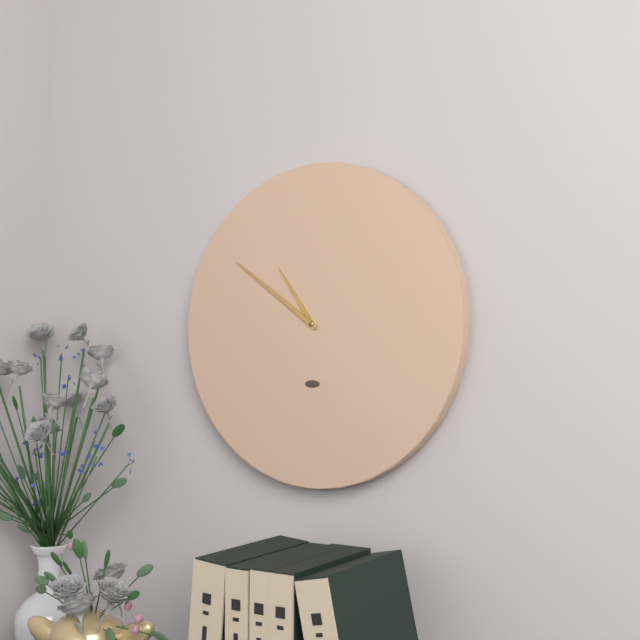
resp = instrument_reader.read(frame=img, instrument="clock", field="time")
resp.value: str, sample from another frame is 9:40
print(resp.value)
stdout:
10:51
